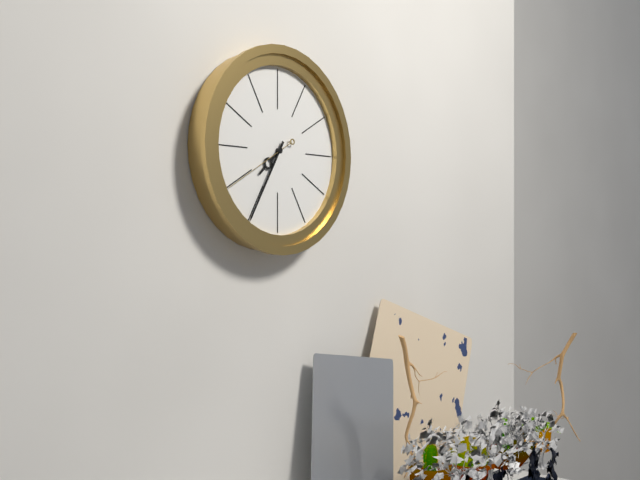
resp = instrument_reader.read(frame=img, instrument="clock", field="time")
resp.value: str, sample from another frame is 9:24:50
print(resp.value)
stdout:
7:35:40
